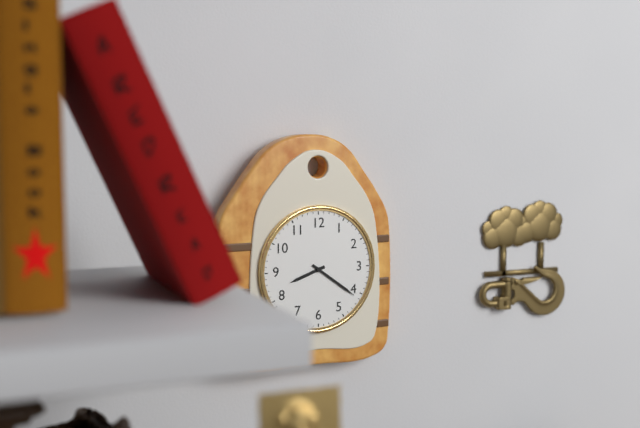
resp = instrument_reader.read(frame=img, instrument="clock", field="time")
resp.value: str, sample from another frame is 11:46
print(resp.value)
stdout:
8:21
